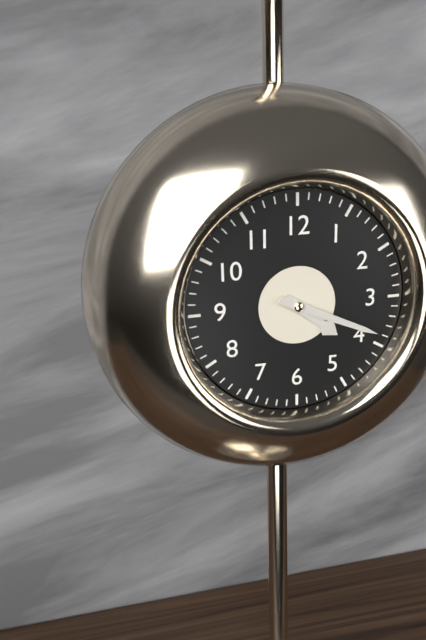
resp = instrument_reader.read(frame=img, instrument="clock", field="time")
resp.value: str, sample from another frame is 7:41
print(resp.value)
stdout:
4:19
